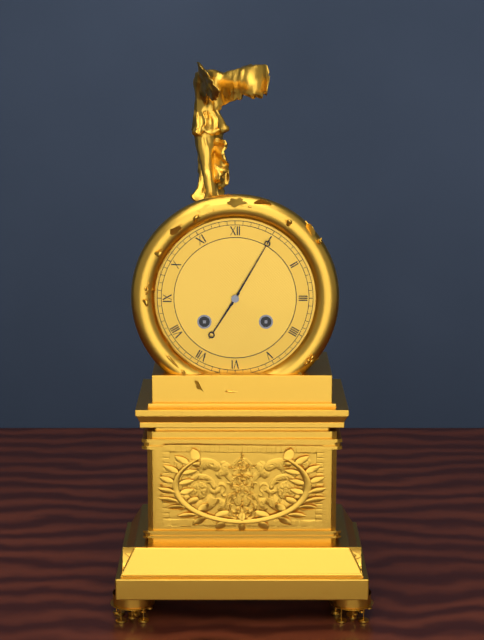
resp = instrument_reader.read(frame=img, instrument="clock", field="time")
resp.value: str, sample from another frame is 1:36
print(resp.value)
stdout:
7:05
